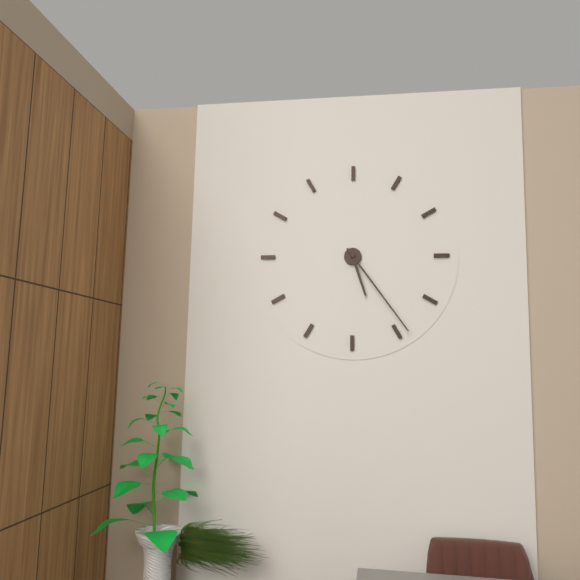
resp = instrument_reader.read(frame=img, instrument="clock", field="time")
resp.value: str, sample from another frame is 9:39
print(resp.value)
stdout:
5:24
